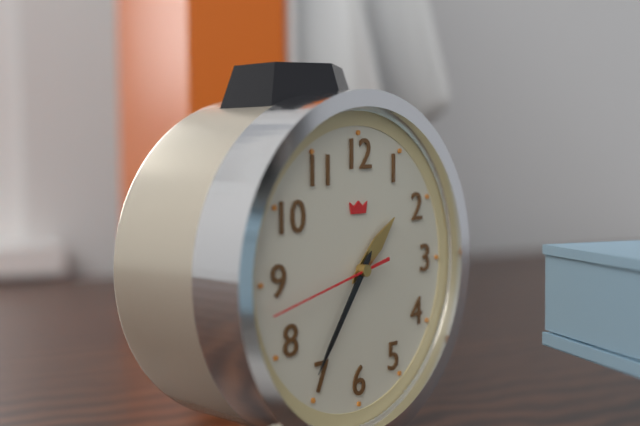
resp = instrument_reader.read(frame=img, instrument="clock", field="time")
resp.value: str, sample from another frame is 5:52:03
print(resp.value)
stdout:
1:36:43
